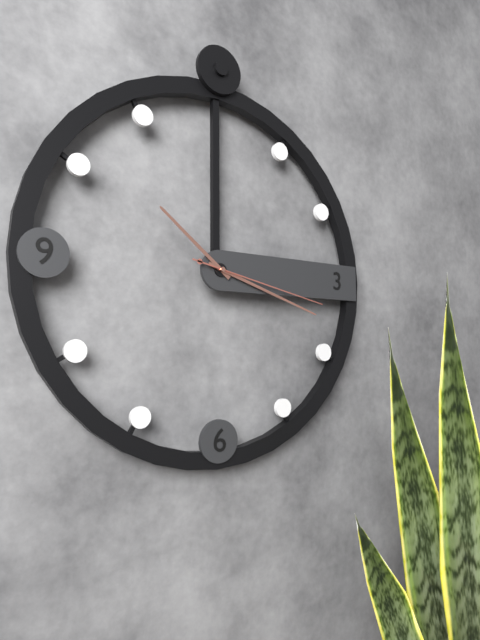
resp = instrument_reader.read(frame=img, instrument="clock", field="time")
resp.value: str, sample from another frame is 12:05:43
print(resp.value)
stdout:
10:18:17
